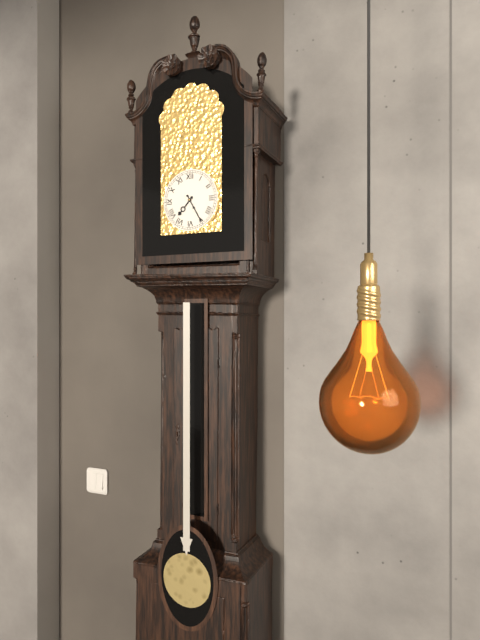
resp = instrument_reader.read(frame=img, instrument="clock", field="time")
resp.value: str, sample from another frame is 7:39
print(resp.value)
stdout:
7:25
